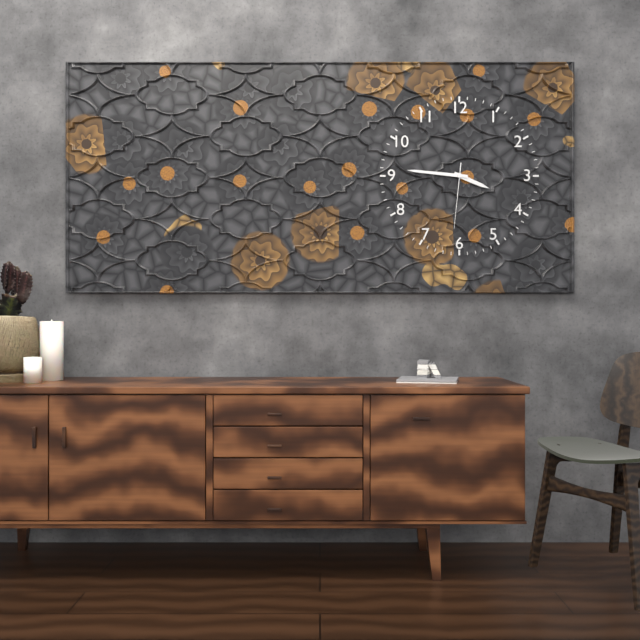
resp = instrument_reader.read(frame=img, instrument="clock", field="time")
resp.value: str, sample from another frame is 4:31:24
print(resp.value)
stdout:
3:46:31
